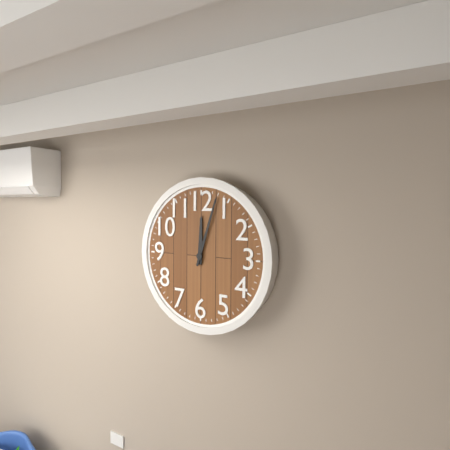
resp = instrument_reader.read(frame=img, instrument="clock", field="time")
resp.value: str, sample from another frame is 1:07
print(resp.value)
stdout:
12:03
